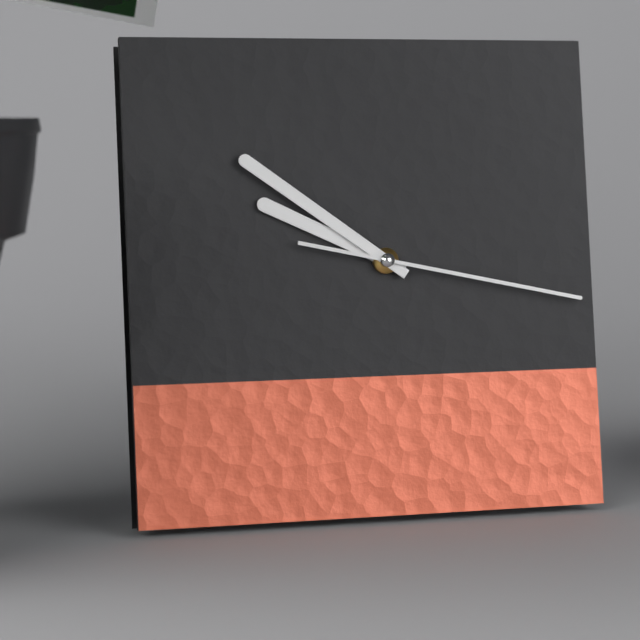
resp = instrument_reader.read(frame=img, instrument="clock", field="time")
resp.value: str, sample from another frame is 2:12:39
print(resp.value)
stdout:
9:51:17
